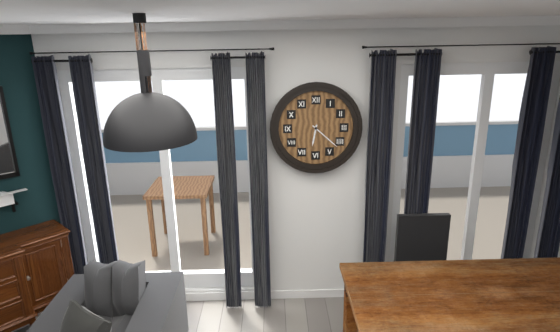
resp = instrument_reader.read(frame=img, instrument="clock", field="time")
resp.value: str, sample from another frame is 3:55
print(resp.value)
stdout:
6:22
